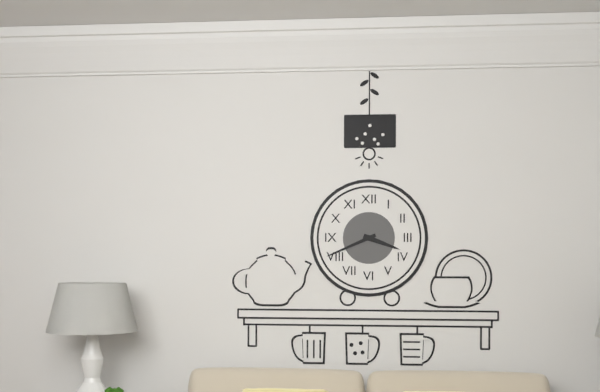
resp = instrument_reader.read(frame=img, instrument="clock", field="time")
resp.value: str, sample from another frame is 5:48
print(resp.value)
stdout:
3:41
